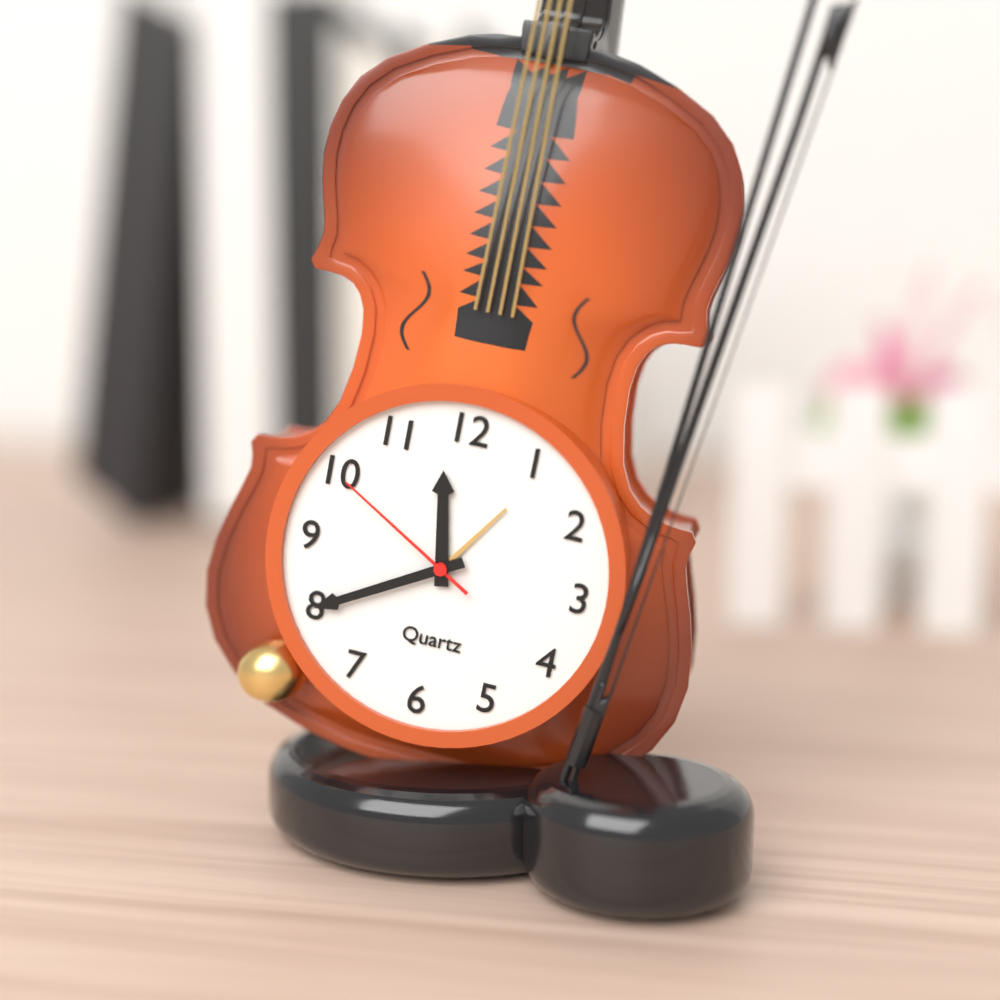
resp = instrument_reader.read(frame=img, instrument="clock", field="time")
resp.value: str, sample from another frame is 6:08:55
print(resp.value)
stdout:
11:40:50
